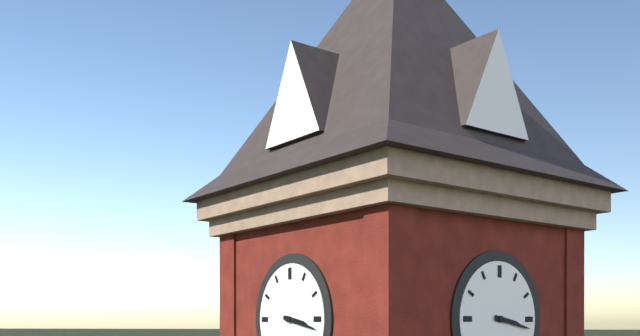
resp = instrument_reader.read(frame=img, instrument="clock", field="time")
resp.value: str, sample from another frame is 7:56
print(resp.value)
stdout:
3:17
